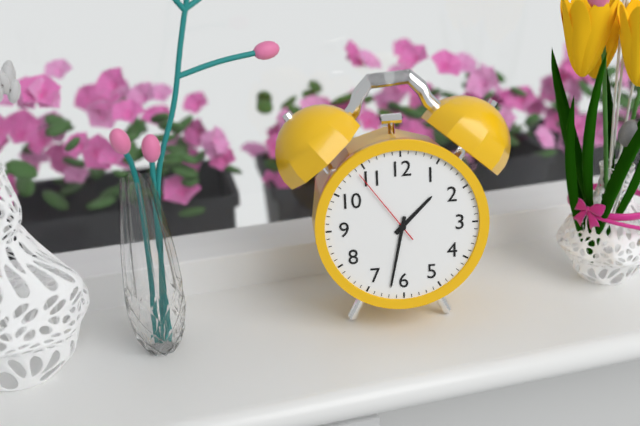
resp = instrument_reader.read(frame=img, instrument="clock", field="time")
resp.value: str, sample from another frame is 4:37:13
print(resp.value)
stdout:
1:32:54
